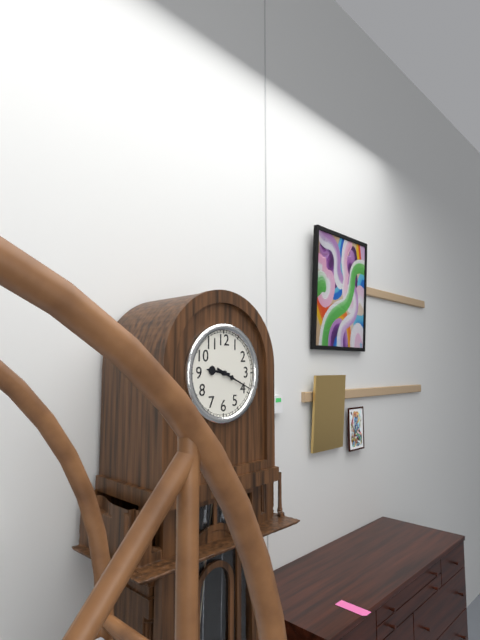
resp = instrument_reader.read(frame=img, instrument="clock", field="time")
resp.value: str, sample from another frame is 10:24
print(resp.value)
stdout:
9:19
